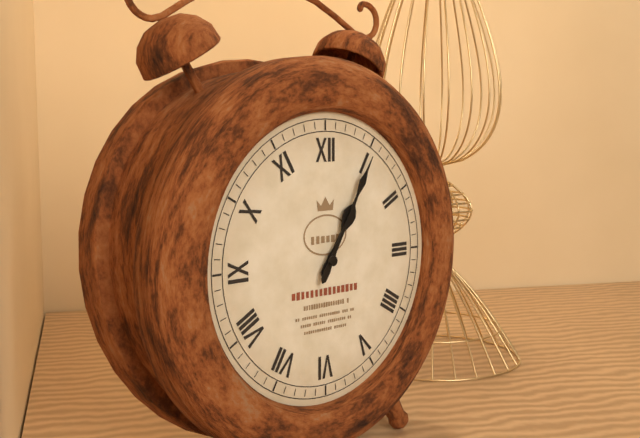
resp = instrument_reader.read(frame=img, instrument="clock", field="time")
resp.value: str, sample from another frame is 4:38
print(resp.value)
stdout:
1:05
